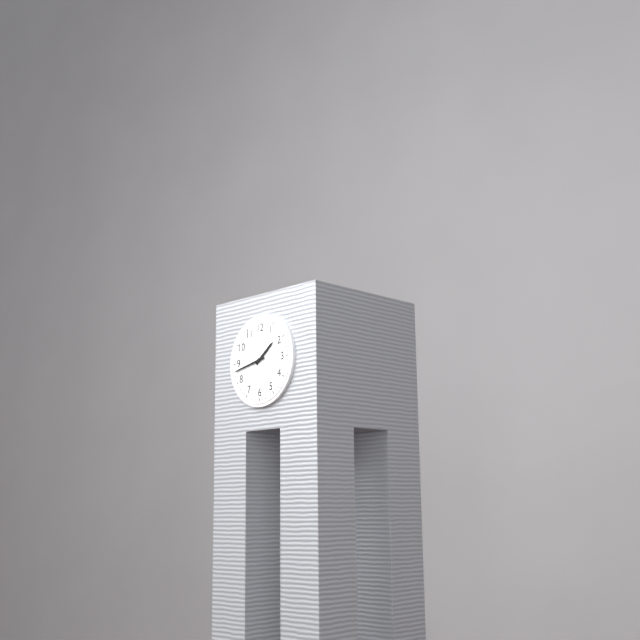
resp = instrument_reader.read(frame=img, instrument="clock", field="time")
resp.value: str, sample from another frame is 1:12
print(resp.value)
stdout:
1:43
